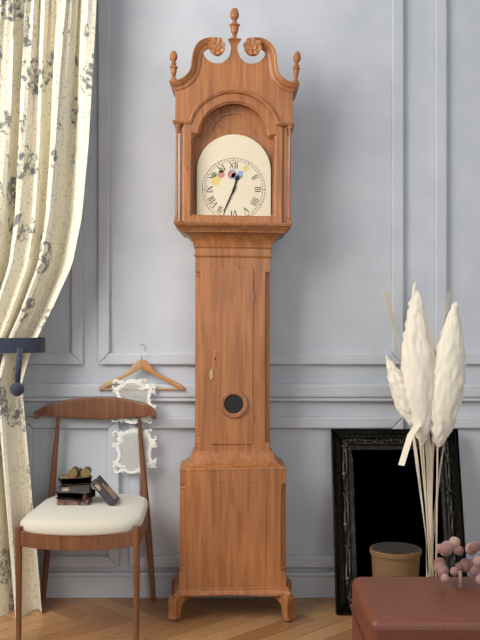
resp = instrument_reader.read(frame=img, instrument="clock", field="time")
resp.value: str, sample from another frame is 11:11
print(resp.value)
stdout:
12:34
